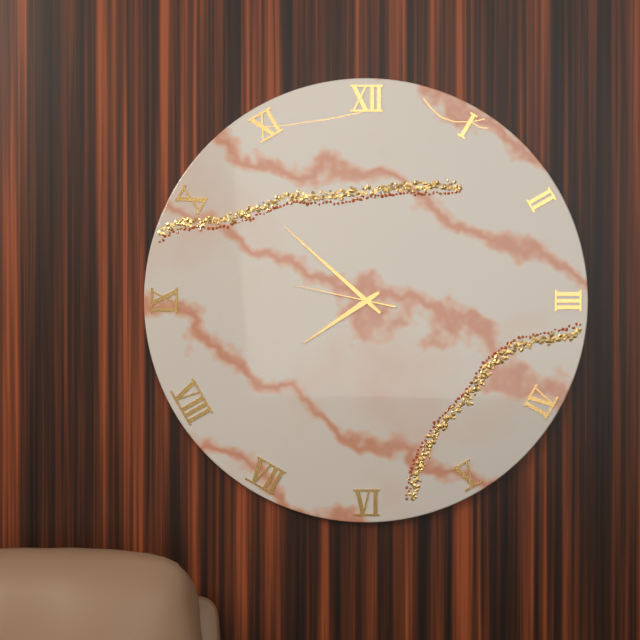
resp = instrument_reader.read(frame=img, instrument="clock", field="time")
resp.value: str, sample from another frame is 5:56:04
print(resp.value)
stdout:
7:52:47
